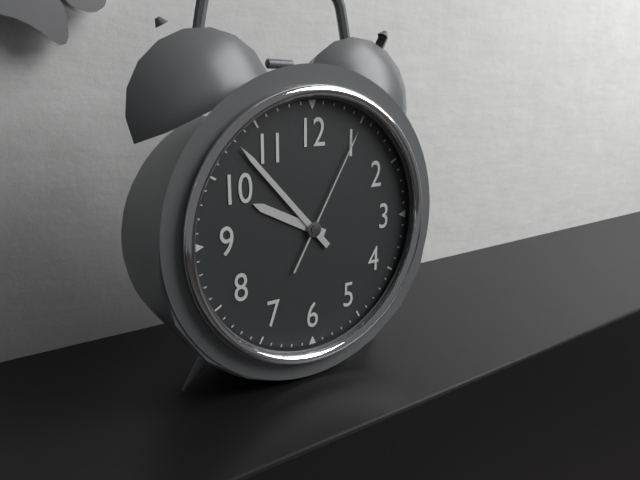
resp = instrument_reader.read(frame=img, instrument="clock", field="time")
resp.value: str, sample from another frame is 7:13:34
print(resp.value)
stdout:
9:53:05
